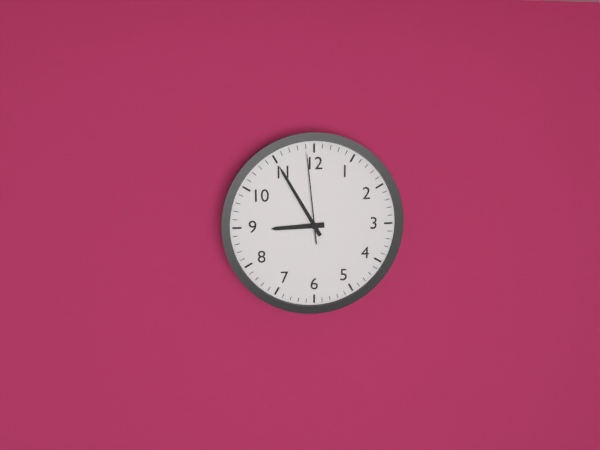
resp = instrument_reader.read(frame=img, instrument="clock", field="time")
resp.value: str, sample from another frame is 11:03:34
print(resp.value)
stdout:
8:55:59
